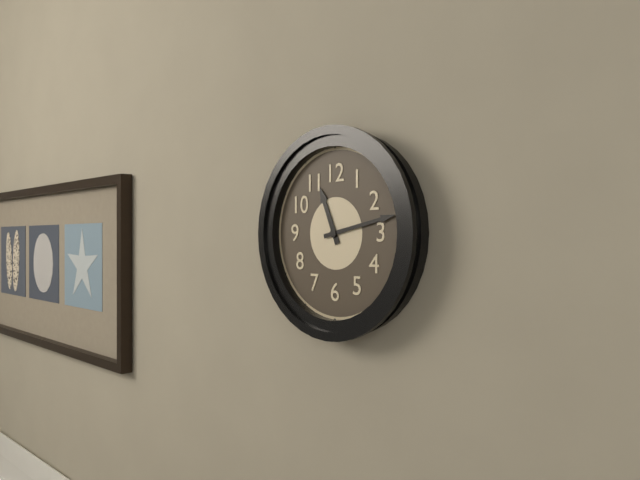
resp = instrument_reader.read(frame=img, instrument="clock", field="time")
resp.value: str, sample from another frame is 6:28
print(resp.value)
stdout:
11:13
